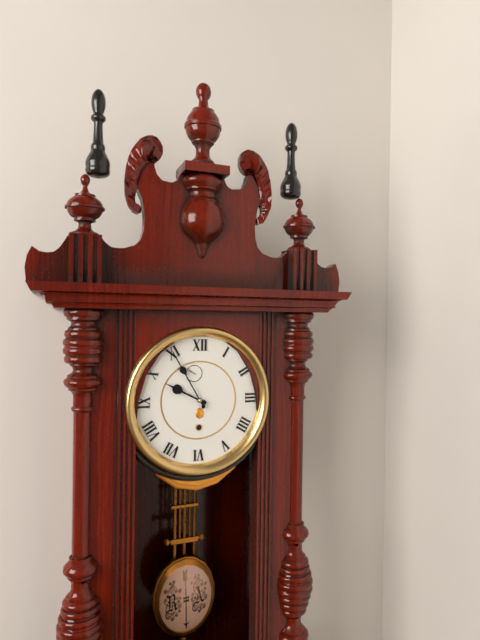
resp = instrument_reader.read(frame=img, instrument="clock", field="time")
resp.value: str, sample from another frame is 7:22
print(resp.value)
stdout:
9:55
